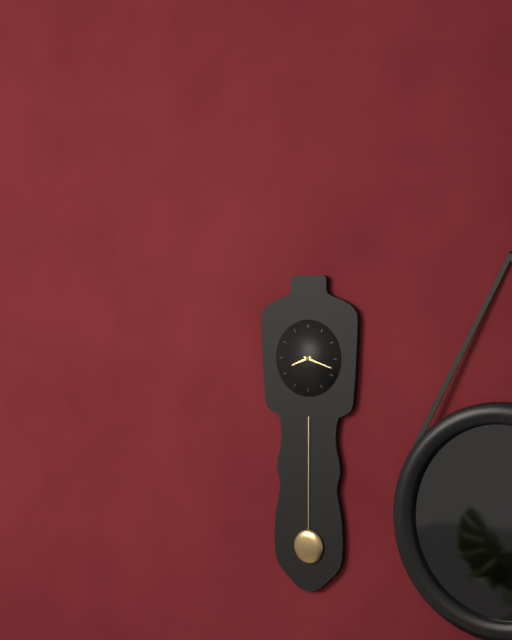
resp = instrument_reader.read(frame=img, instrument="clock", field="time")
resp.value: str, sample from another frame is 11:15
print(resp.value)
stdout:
8:18
